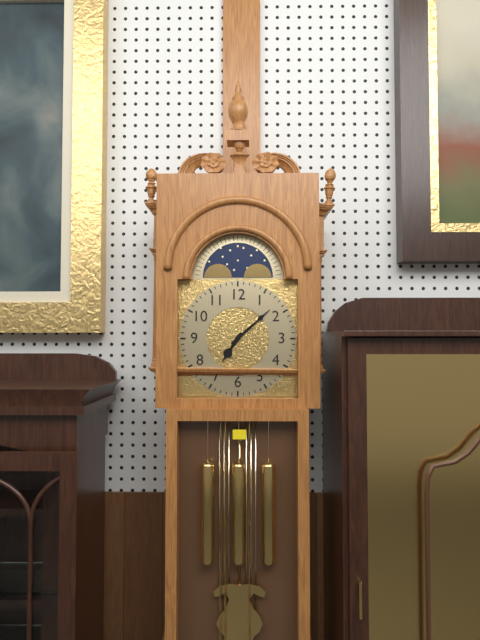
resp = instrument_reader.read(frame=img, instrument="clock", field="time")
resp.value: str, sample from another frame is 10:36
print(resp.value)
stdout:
7:08
